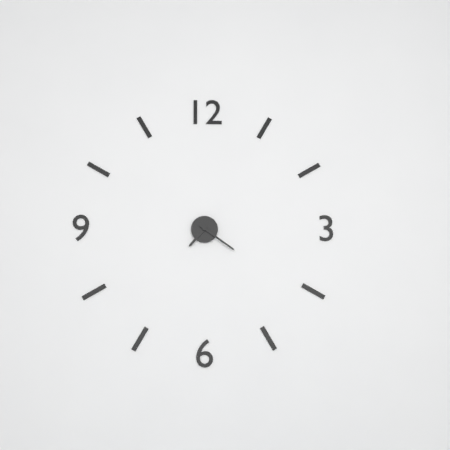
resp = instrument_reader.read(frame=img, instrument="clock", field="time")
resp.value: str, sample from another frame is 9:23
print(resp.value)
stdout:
7:21
